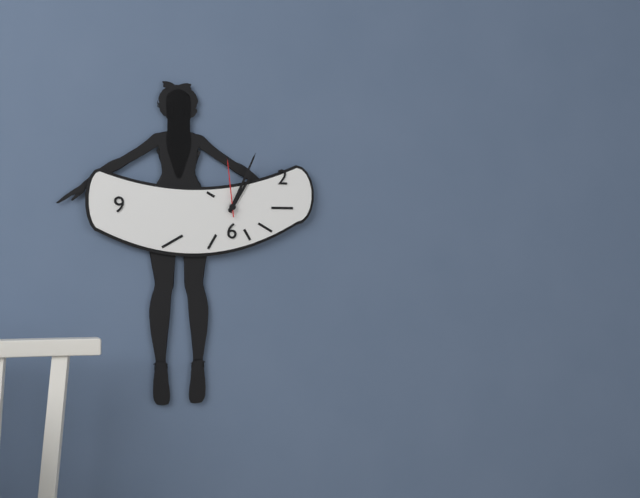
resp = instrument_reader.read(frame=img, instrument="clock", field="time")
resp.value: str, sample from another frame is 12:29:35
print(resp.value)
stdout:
1:04:59
